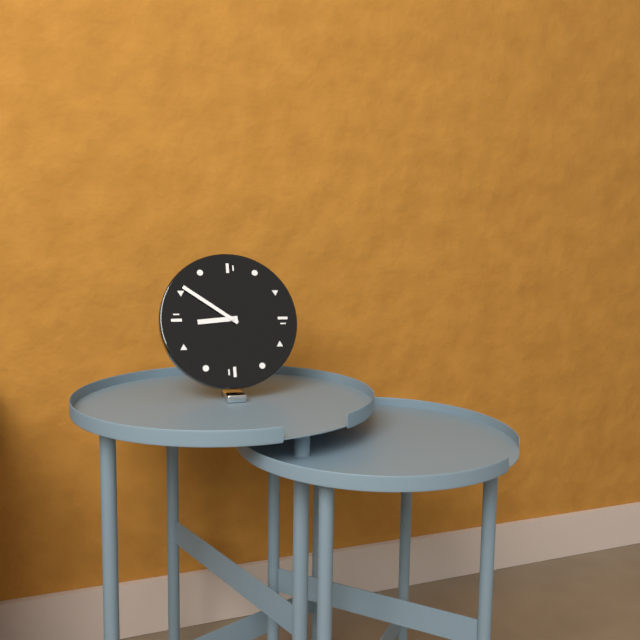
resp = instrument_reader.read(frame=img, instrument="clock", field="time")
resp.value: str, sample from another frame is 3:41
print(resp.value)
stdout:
8:51
